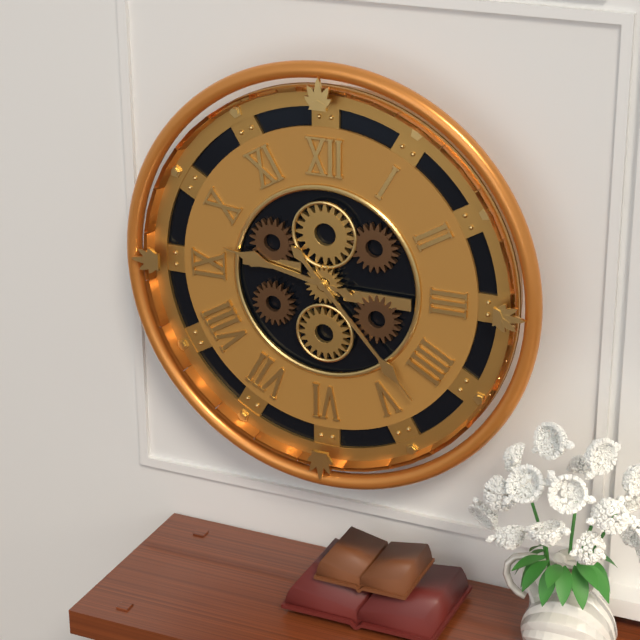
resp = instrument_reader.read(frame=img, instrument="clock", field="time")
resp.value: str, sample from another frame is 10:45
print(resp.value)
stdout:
9:23
